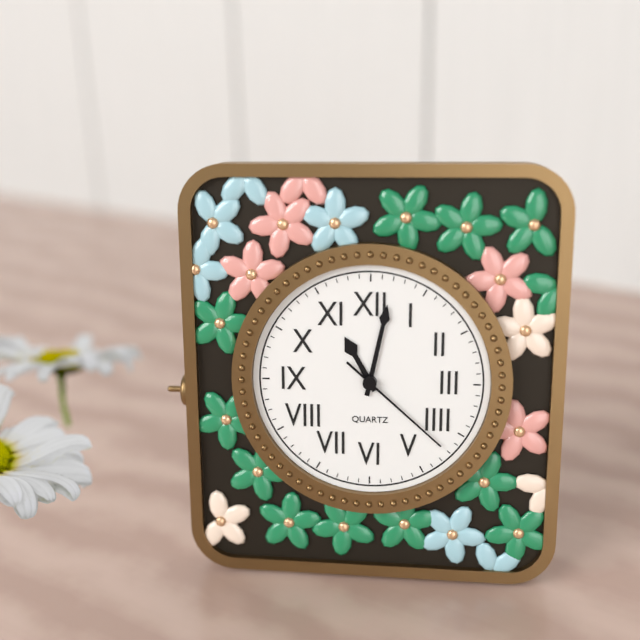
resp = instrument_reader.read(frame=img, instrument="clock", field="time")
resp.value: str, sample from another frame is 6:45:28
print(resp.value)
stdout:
11:02:22
